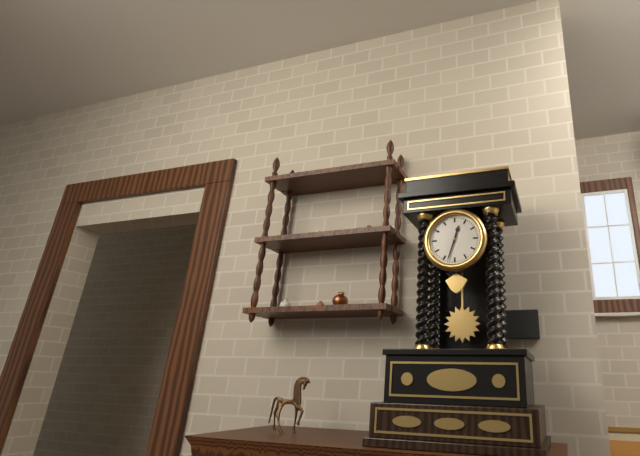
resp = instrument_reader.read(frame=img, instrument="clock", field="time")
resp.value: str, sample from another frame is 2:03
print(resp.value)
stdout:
12:33
